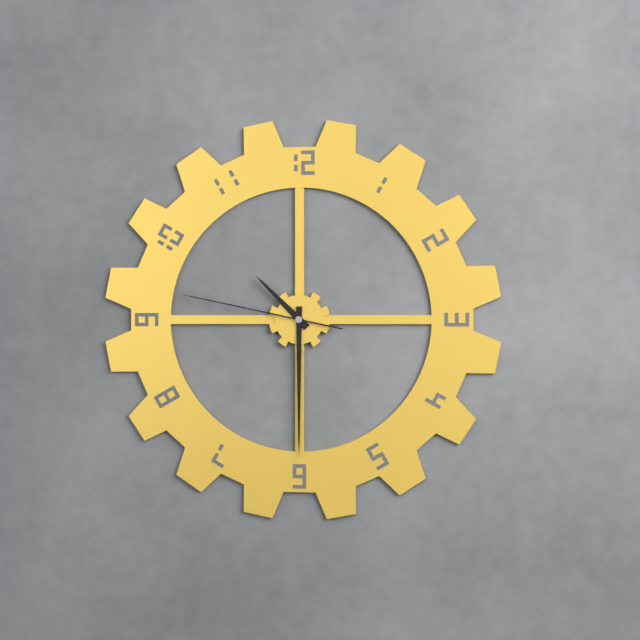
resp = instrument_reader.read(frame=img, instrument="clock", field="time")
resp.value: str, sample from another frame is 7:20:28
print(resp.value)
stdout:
10:30:47
